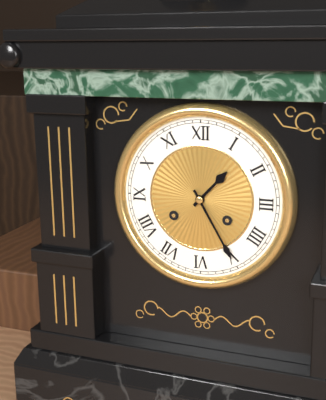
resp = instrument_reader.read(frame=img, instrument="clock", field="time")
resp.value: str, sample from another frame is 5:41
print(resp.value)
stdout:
1:25
